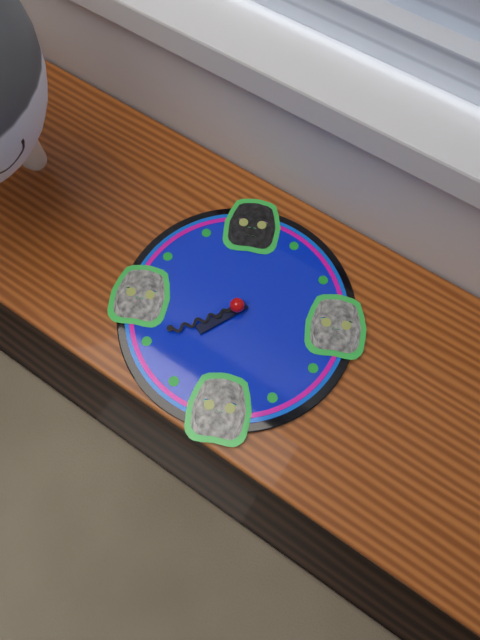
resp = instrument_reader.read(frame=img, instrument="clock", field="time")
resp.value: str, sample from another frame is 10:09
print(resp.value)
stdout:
7:40
